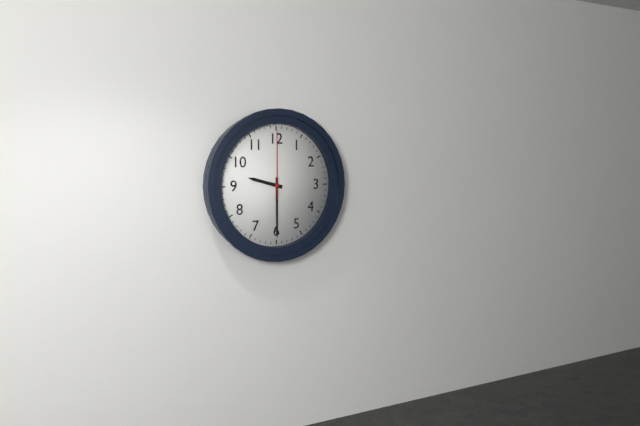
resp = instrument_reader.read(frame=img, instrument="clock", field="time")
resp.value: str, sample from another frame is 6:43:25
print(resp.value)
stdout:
9:30:00
